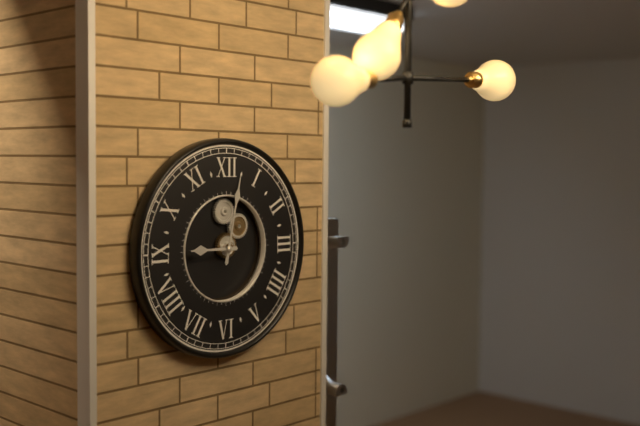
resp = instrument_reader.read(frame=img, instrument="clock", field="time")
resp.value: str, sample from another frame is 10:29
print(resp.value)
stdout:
9:02
